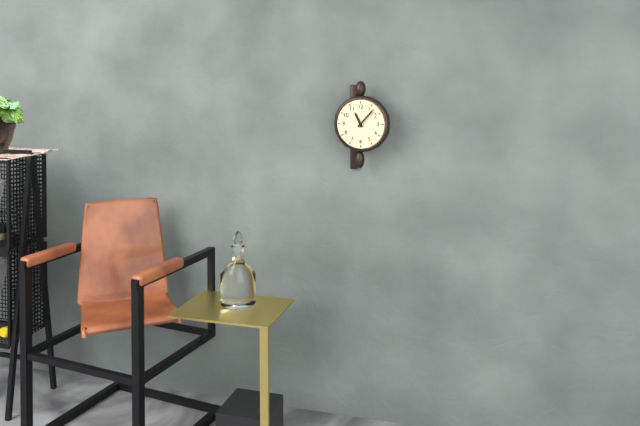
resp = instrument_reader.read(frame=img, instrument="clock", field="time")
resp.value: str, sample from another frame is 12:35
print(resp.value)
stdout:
11:07
